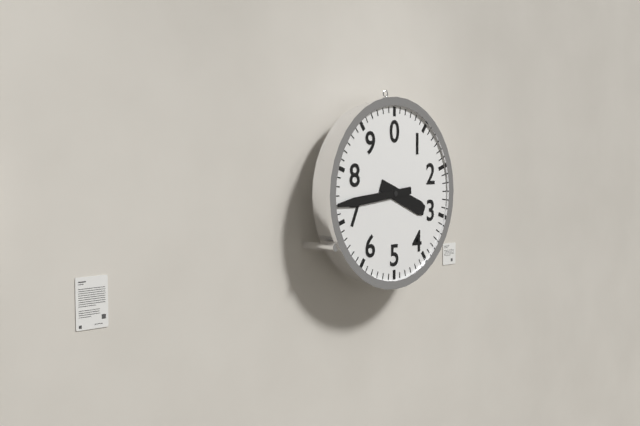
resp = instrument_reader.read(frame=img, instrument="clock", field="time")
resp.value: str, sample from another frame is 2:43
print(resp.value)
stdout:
3:44
